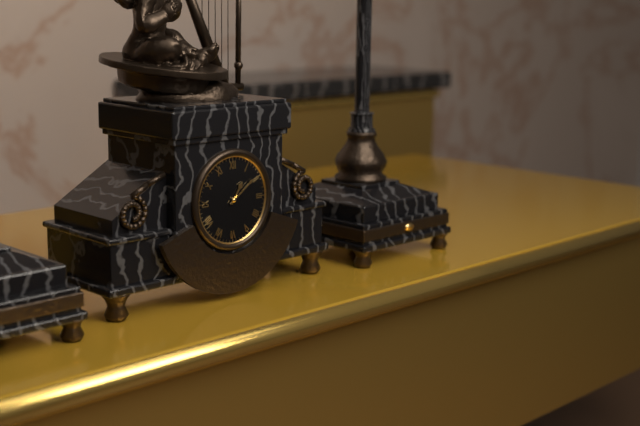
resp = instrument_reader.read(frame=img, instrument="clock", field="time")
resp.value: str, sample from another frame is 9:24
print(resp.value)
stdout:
1:09
